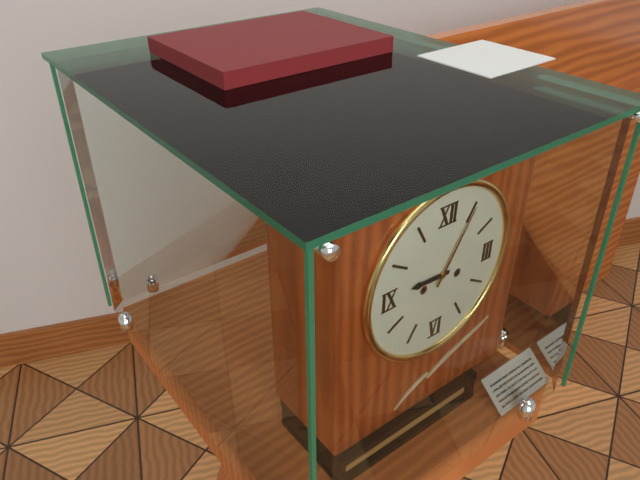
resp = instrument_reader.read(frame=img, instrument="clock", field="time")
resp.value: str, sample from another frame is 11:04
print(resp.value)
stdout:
9:05
